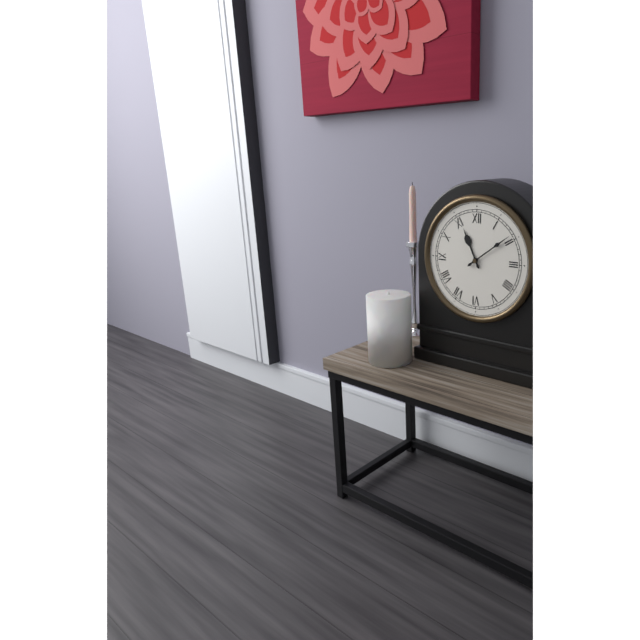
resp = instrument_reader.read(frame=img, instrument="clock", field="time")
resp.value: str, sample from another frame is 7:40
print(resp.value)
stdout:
11:09
